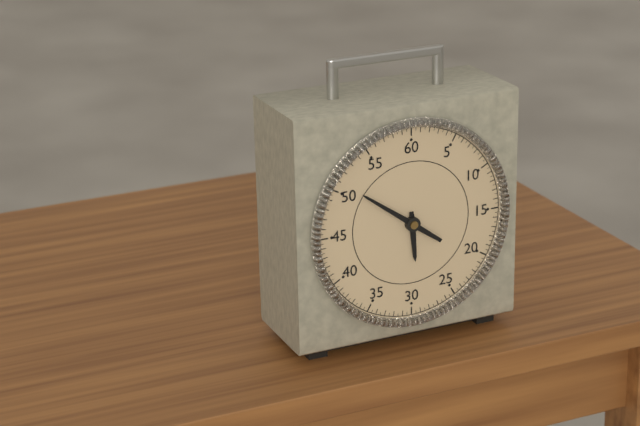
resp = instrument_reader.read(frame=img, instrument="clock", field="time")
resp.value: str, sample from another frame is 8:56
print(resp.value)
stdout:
5:51
